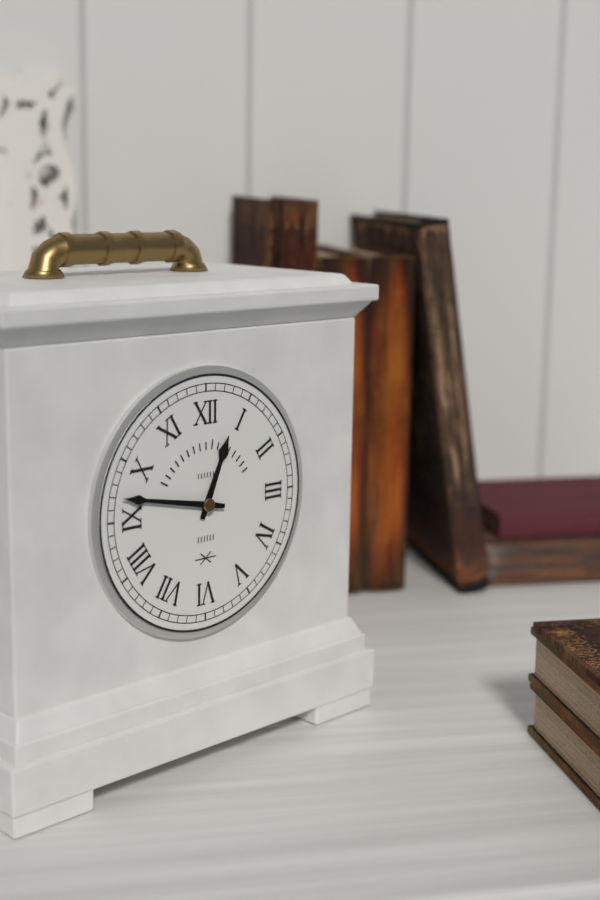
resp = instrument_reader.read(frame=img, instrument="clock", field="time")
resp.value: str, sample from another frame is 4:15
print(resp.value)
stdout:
12:47
